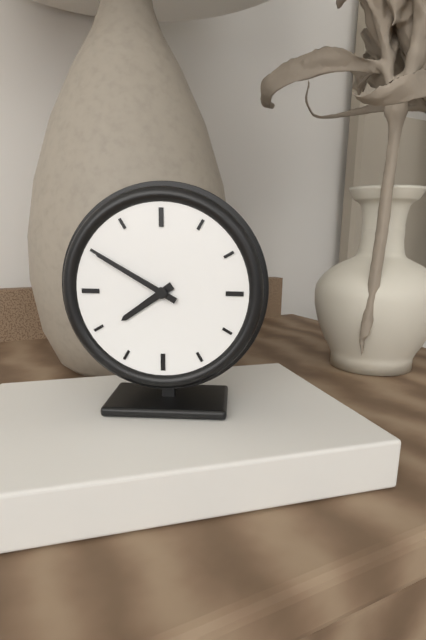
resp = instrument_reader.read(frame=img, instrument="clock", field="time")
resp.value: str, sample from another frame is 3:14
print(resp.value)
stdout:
7:50
